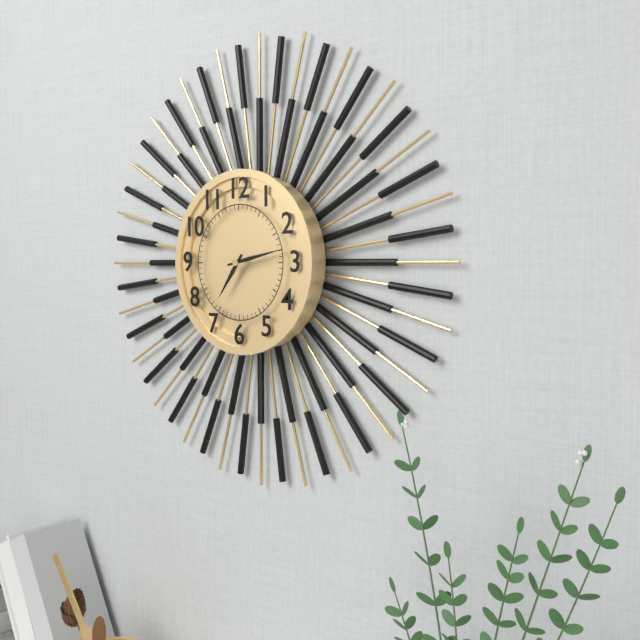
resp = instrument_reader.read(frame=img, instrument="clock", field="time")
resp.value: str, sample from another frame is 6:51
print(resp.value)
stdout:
7:13
